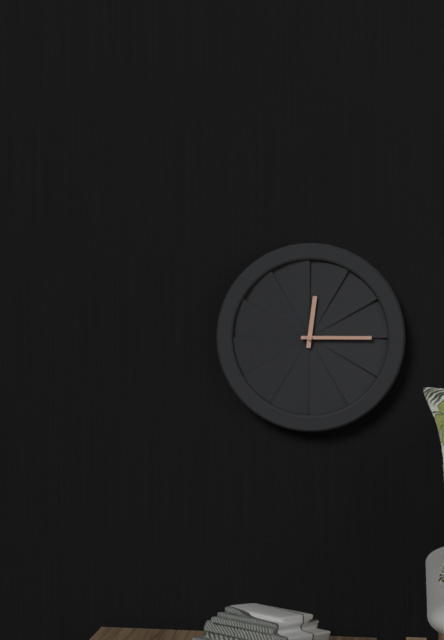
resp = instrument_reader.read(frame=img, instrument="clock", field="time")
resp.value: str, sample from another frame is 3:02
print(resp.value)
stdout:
12:15
